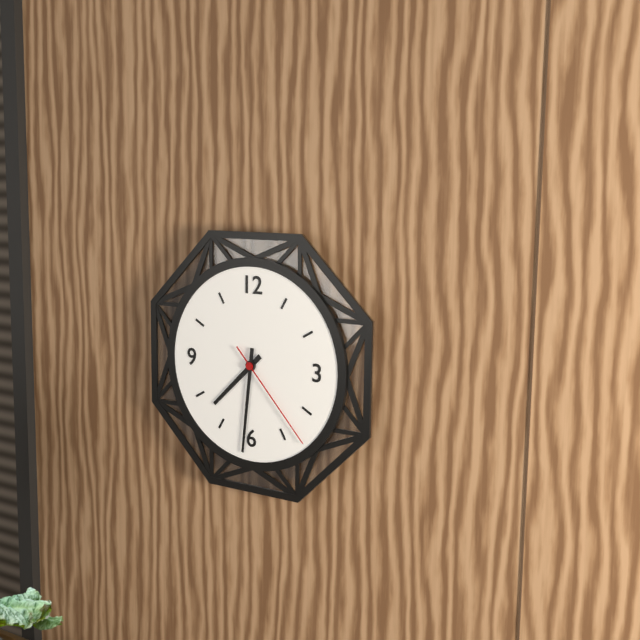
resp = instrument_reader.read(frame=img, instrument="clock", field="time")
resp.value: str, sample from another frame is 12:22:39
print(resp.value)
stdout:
7:31:23
